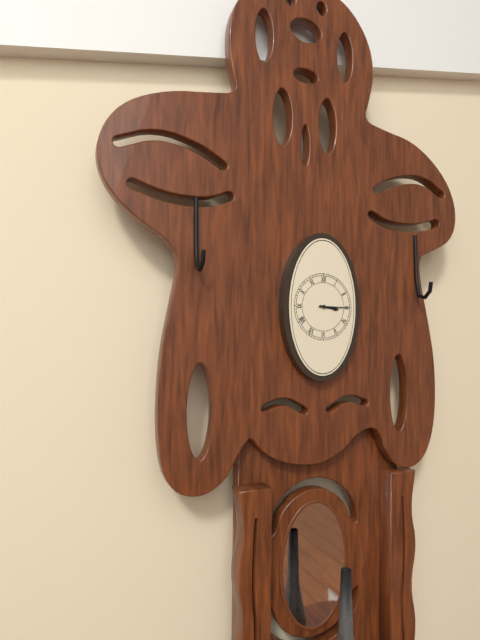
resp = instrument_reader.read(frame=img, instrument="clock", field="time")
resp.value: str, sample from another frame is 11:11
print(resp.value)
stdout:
3:15
